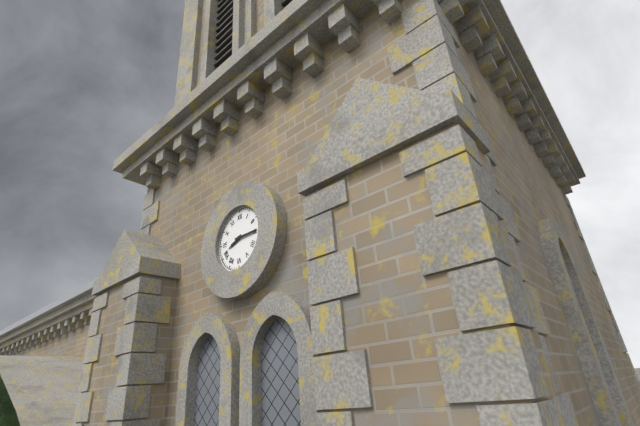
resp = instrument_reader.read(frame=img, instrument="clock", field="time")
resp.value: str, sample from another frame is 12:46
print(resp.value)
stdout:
8:15
